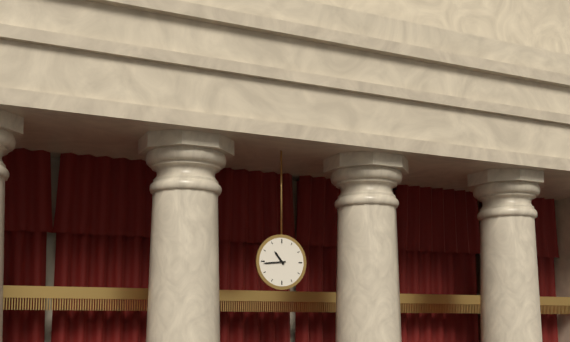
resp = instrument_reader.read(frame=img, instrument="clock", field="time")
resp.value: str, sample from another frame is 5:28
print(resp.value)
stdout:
10:44
